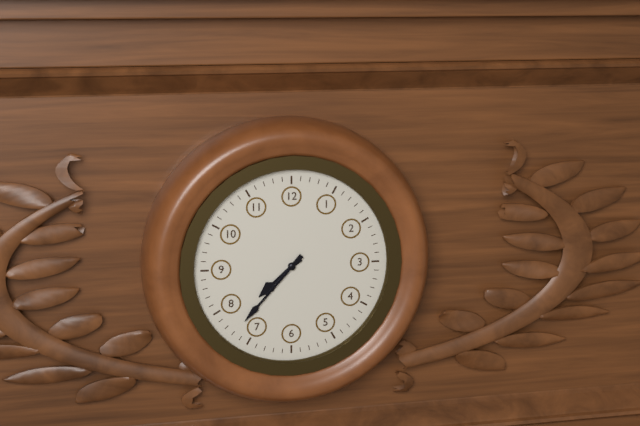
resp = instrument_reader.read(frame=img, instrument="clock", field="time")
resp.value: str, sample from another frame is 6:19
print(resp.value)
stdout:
7:37
